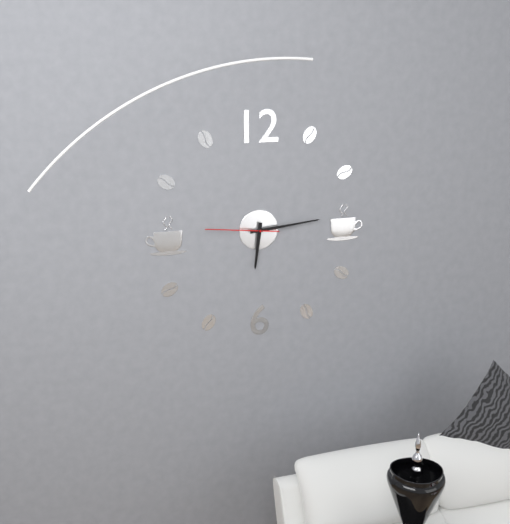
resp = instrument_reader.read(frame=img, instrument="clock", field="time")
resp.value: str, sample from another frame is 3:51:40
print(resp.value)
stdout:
6:14:46
